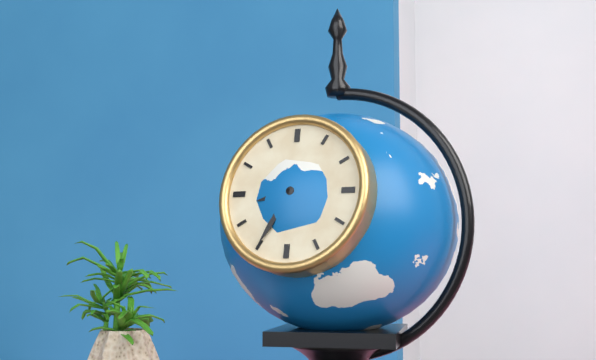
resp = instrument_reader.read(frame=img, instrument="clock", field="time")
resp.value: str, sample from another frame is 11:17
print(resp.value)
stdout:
8:35
